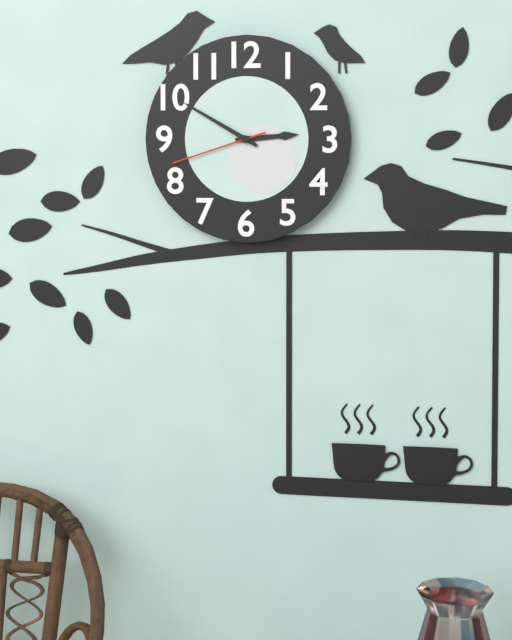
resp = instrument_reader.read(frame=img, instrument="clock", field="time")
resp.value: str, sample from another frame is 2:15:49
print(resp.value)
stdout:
2:50:42
